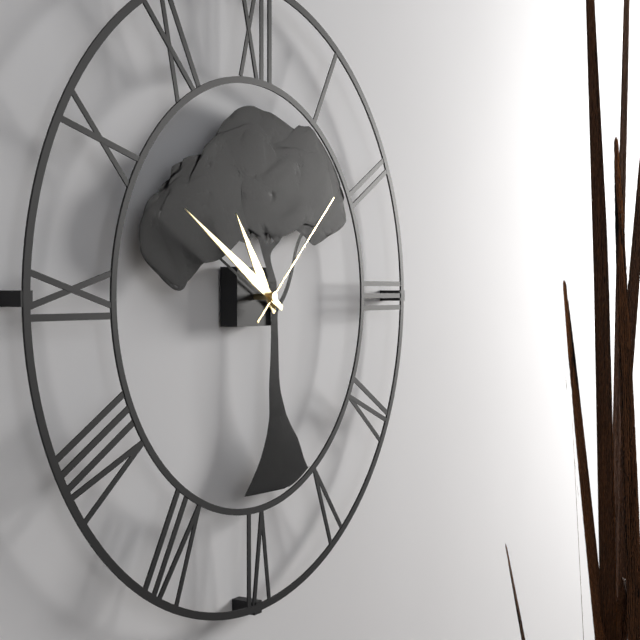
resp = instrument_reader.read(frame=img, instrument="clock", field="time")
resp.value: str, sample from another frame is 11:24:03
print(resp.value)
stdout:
10:50:08
